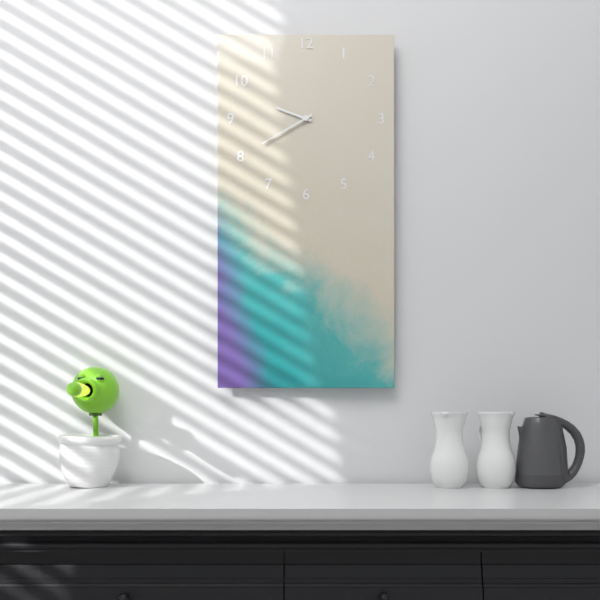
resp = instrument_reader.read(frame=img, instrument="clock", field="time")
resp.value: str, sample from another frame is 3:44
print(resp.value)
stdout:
9:40
